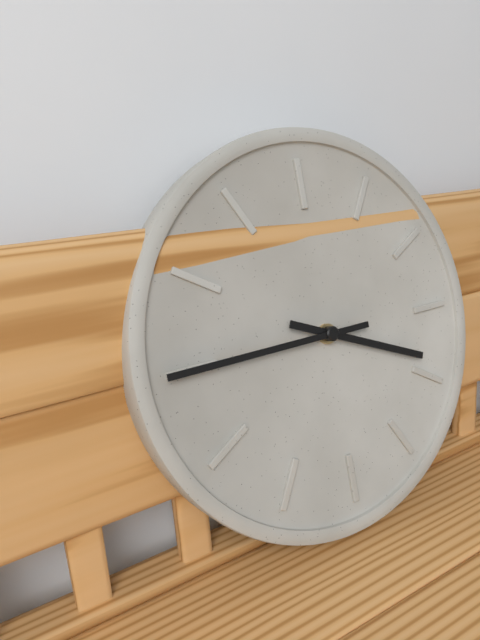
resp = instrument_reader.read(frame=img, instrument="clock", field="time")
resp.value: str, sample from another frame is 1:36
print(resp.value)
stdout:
3:45
